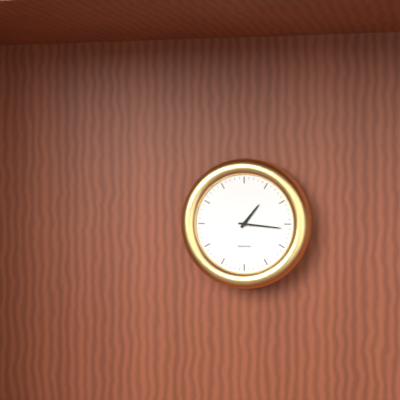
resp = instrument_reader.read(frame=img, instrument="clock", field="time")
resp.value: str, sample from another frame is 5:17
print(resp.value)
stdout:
1:16
